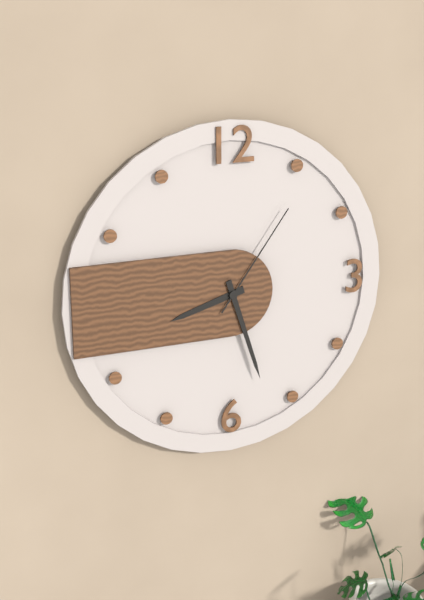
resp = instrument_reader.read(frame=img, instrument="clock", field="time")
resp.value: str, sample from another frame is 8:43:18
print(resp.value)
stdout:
8:27:06
